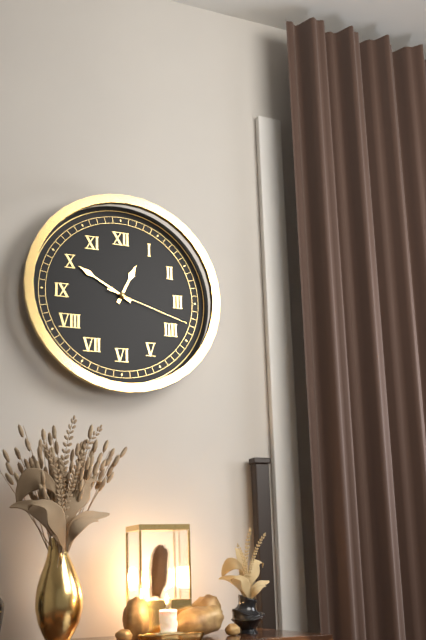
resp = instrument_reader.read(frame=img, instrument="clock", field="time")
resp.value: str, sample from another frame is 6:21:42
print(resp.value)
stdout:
12:50:18
